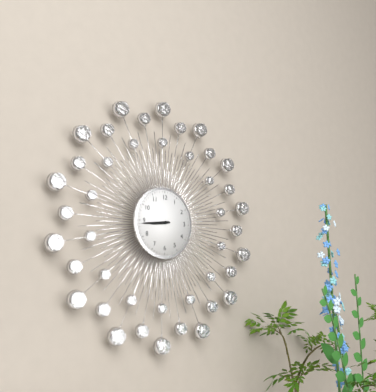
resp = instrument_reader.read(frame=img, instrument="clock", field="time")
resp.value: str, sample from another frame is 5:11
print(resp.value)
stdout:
8:44
